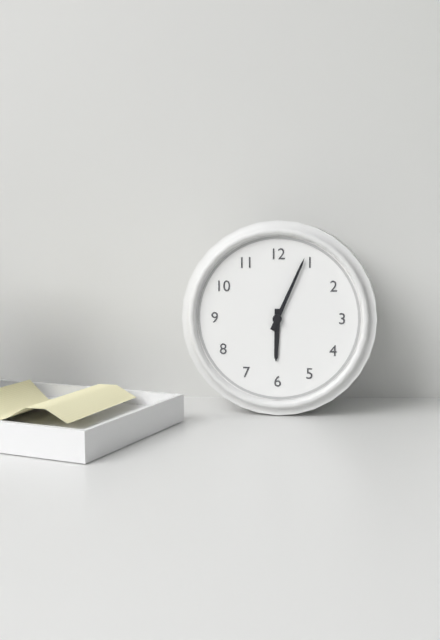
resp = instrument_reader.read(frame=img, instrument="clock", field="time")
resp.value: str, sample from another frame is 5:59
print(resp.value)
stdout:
6:04
